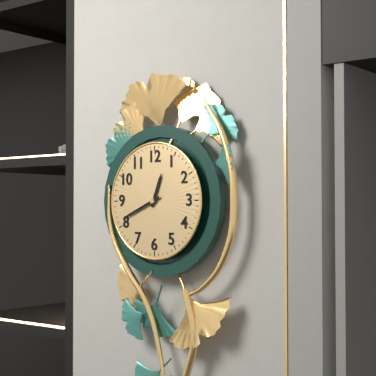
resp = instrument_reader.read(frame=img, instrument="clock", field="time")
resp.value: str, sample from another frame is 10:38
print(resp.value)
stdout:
12:41
